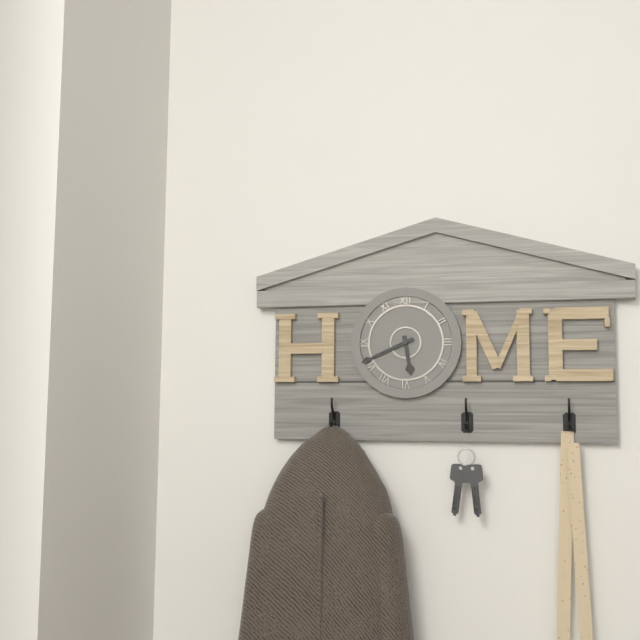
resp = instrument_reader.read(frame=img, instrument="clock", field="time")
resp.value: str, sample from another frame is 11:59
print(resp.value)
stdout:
5:41
